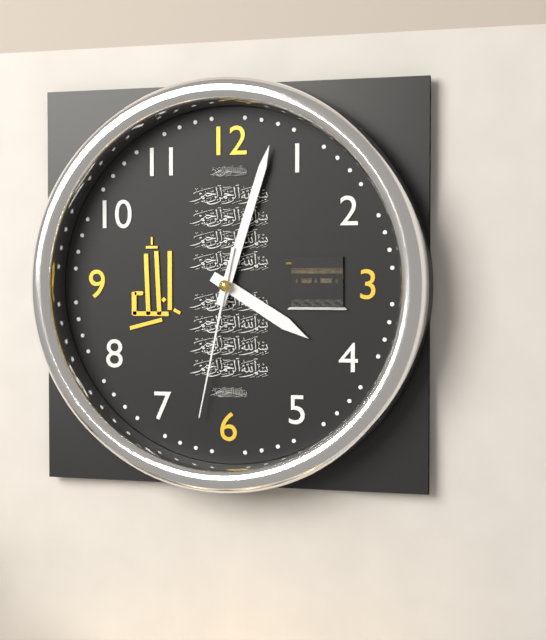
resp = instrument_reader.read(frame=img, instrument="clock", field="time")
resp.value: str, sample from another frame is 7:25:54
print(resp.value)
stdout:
4:03:32
